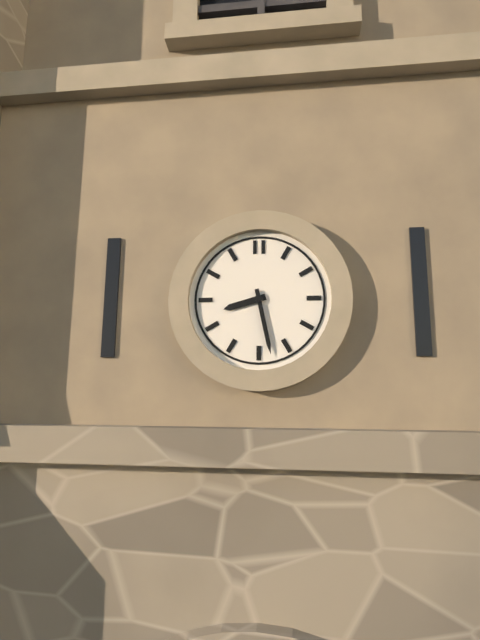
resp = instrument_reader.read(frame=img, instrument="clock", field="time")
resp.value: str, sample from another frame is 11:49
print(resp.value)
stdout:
8:28
